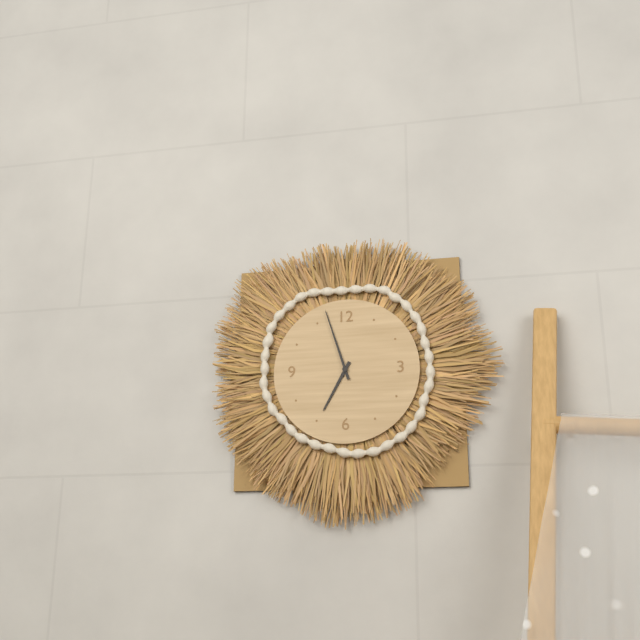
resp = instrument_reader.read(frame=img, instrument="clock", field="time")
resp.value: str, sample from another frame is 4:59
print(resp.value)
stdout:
6:57
